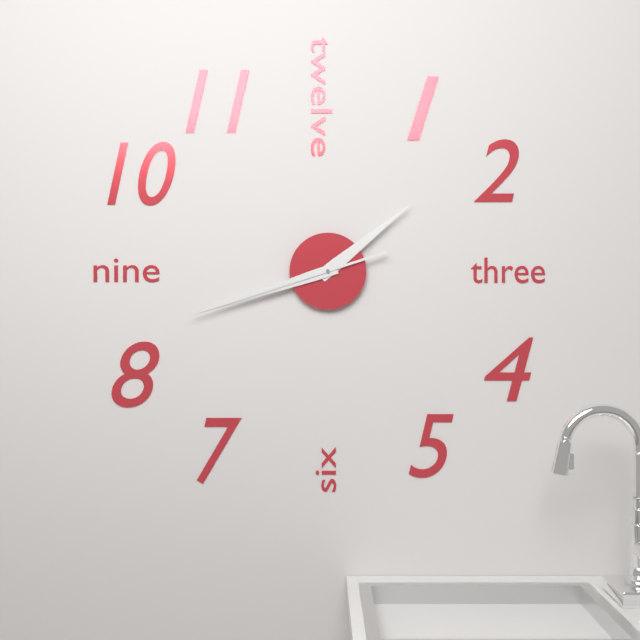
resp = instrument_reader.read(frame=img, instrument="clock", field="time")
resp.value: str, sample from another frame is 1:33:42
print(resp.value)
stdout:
1:42:42
